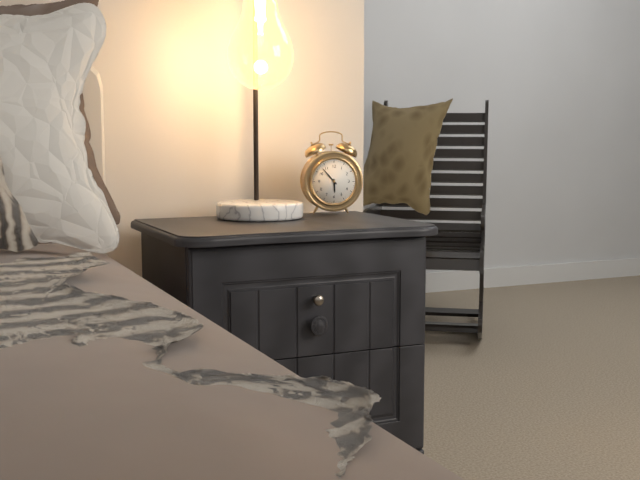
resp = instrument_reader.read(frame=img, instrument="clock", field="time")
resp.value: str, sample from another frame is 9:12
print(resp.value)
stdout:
5:53
